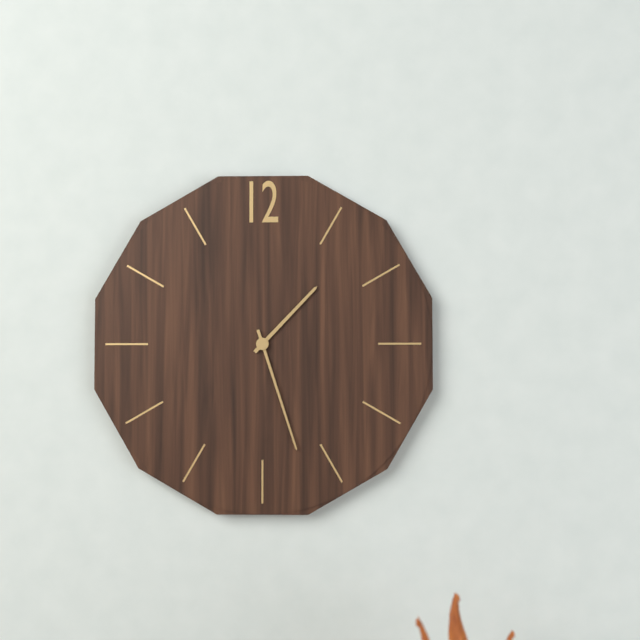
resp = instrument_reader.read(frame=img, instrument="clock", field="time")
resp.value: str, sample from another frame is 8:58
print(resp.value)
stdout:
1:27
